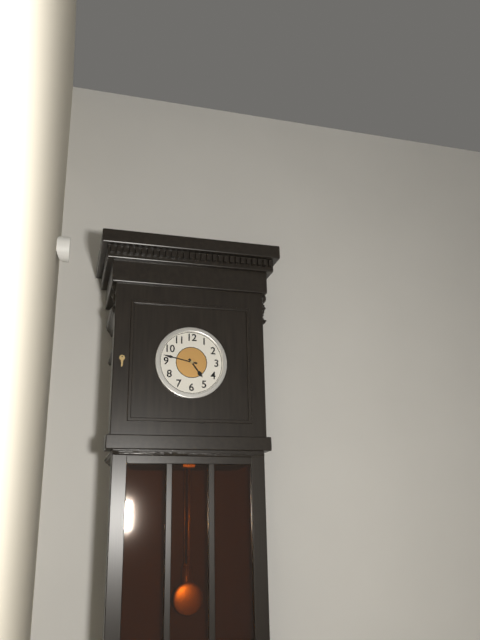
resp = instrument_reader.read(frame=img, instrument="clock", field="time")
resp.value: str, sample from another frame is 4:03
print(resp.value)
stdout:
4:47
